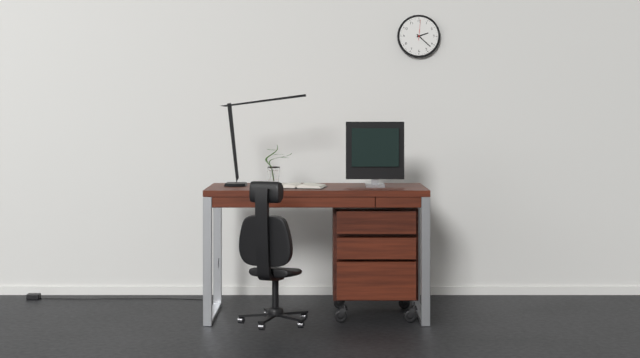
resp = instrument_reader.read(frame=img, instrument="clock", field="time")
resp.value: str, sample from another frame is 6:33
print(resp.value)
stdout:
2:22
